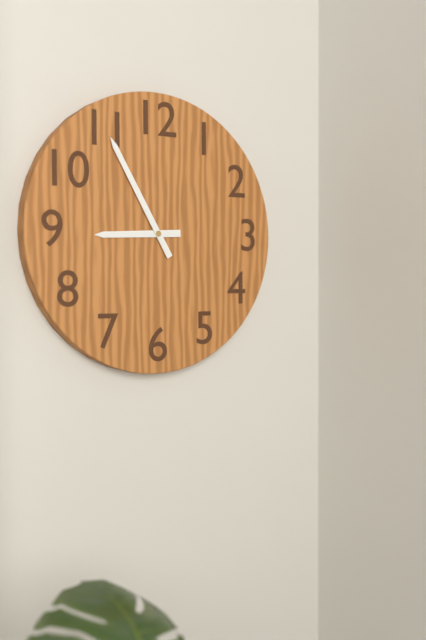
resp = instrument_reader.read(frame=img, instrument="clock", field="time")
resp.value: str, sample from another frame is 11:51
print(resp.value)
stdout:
8:55
